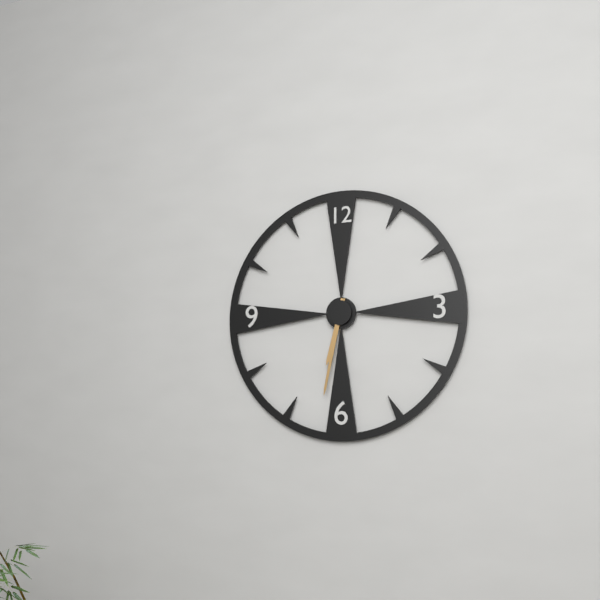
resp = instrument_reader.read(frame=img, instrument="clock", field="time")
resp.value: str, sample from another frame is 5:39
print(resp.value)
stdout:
6:32
